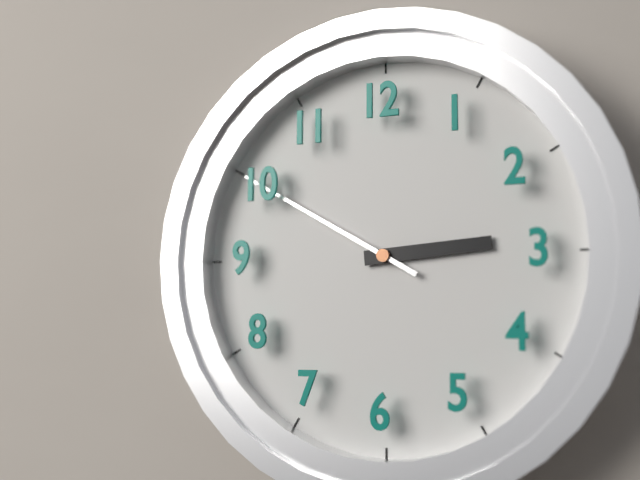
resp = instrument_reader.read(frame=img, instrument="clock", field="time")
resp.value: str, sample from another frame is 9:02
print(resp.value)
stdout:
2:50
